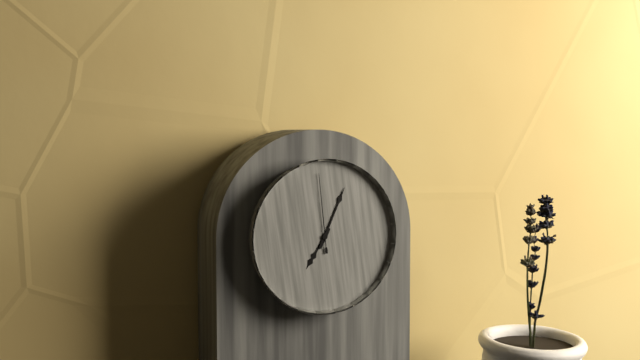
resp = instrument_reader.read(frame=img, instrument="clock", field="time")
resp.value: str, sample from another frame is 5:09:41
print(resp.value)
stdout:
7:04:59
